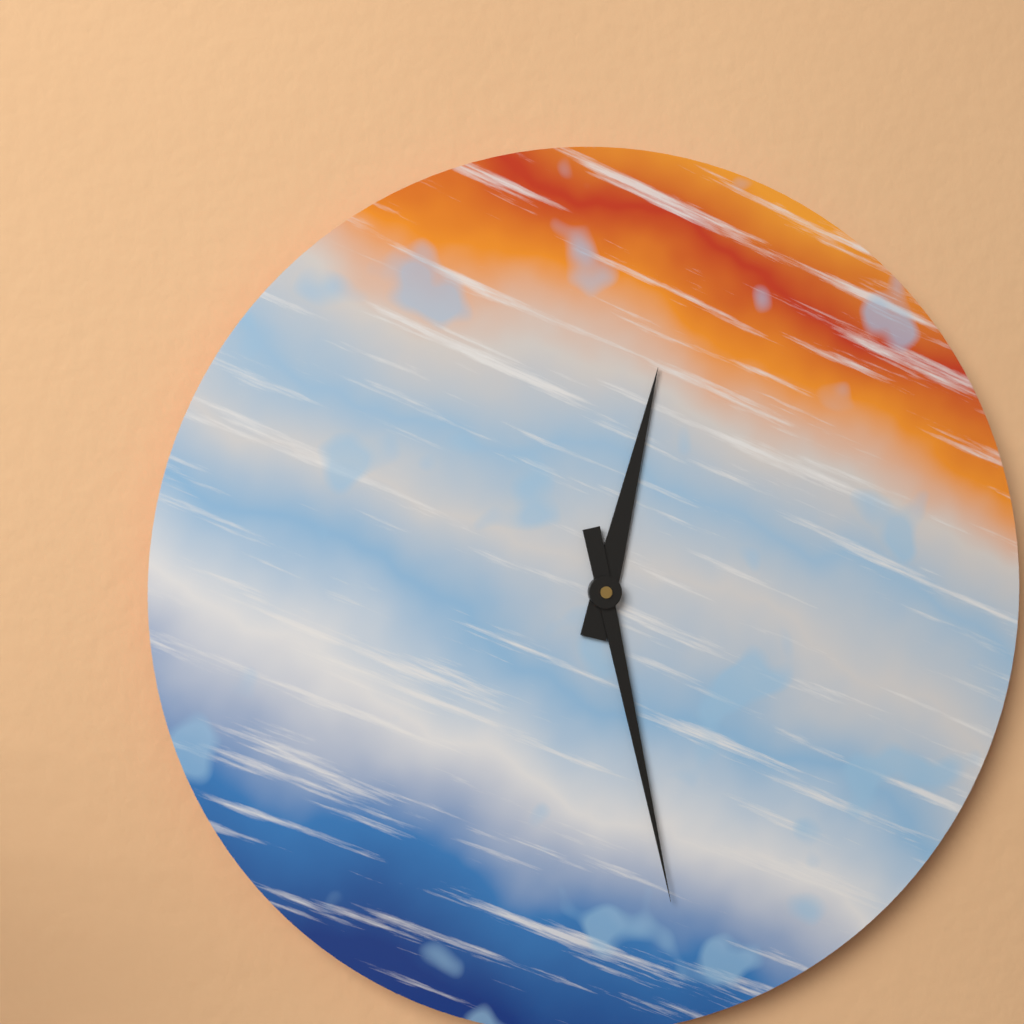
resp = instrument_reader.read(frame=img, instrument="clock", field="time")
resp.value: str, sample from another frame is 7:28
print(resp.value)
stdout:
12:28
